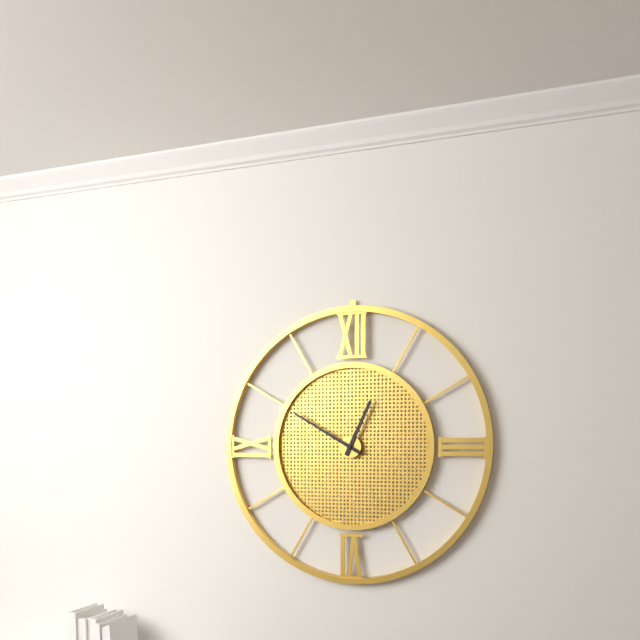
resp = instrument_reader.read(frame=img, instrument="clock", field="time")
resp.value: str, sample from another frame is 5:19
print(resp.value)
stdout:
12:50
